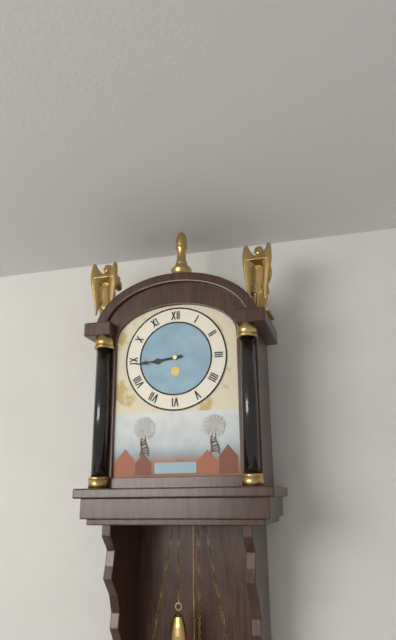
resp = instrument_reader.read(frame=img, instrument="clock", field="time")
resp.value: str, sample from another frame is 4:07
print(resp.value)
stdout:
8:44
